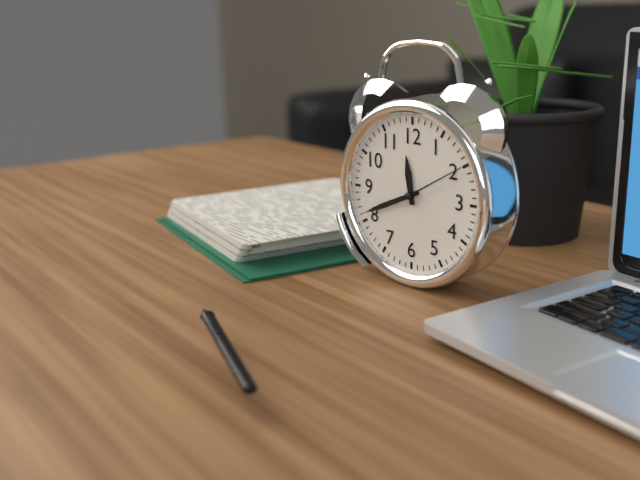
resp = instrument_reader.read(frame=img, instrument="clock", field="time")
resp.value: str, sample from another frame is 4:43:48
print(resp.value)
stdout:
11:41:10
